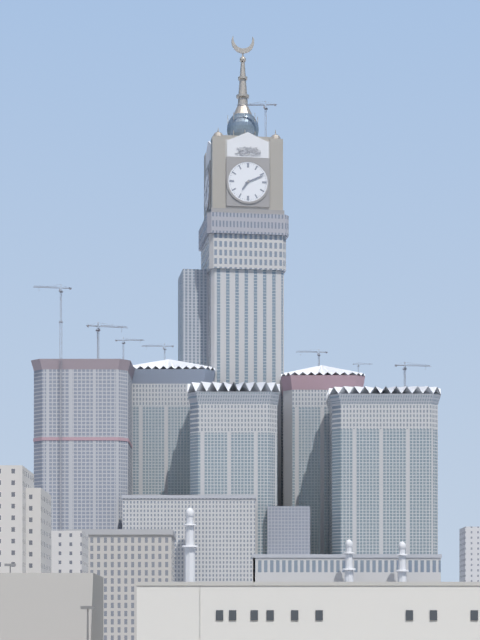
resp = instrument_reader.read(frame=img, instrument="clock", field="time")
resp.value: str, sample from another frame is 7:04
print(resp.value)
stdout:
7:11
